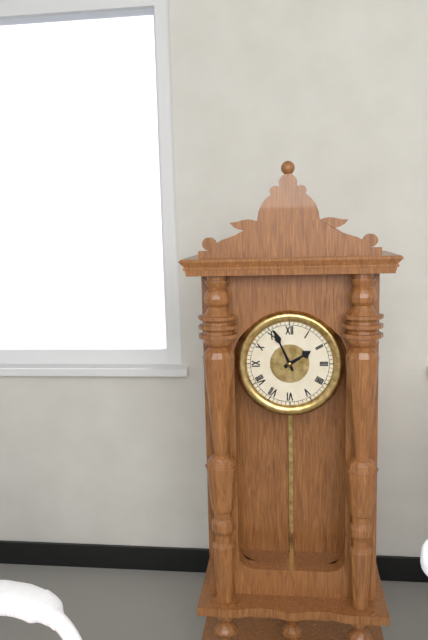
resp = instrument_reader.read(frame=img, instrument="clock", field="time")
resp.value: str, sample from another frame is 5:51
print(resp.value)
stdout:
1:56
